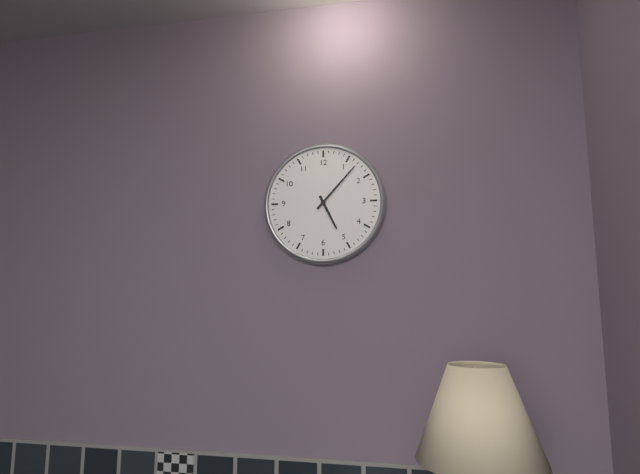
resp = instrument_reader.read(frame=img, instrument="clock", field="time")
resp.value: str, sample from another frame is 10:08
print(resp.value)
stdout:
5:07
